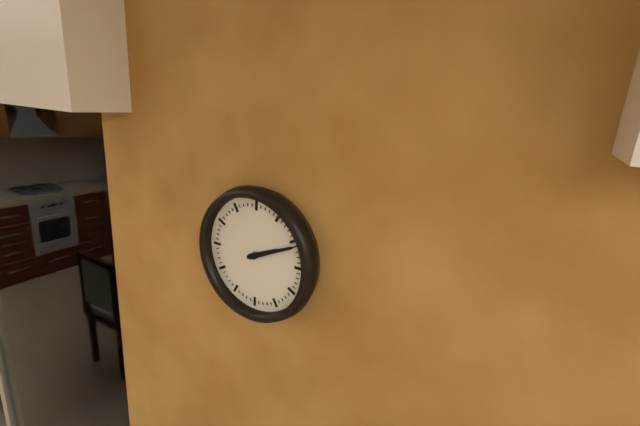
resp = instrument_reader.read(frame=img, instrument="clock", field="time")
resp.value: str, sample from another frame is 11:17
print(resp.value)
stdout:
2:11
